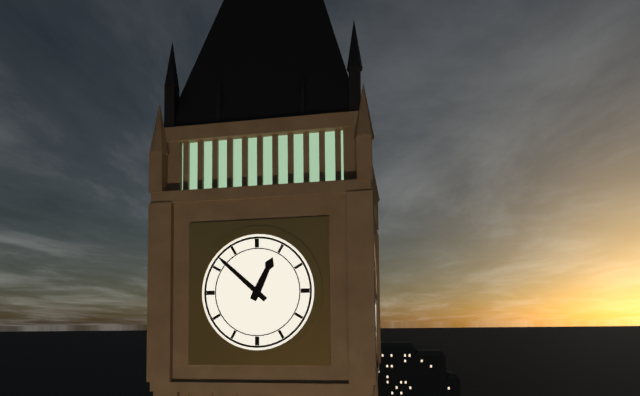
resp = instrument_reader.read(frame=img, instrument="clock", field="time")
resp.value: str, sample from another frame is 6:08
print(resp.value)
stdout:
12:52
